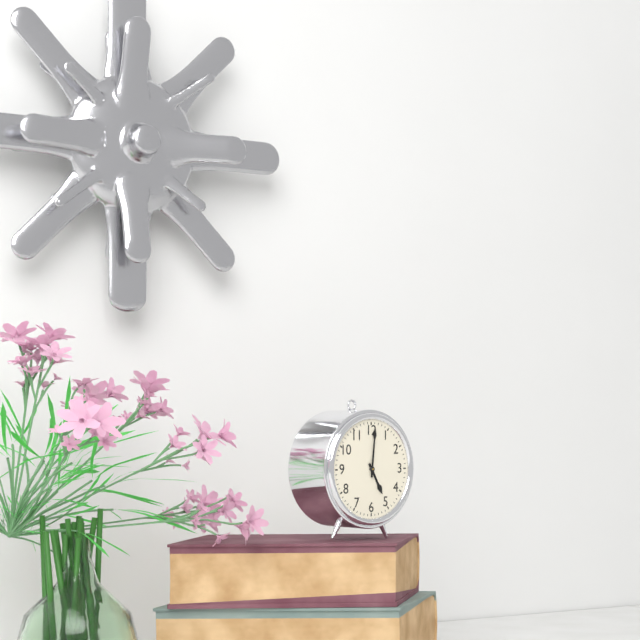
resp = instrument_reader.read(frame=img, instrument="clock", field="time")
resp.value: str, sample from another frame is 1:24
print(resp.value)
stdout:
5:01
